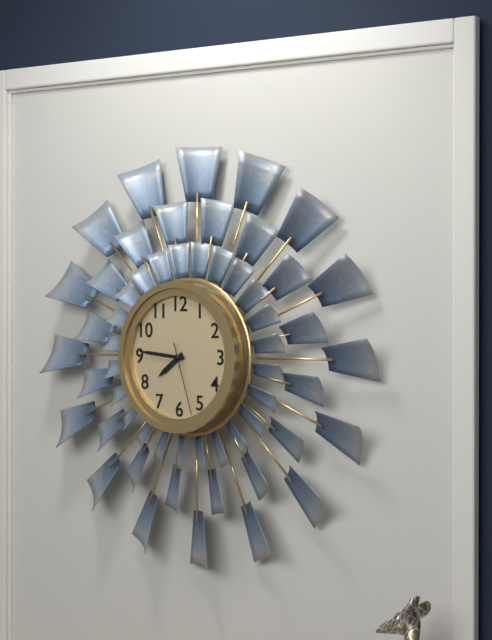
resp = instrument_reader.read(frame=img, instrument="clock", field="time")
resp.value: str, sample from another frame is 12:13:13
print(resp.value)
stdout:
7:46:27
